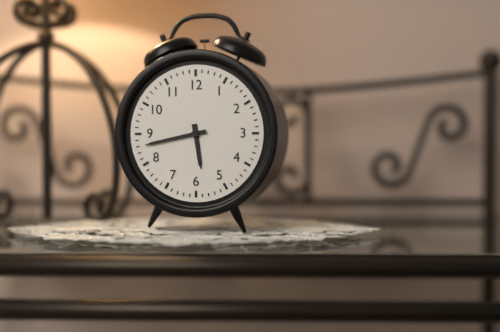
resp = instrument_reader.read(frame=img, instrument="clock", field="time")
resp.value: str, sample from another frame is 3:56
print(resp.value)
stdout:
5:43
